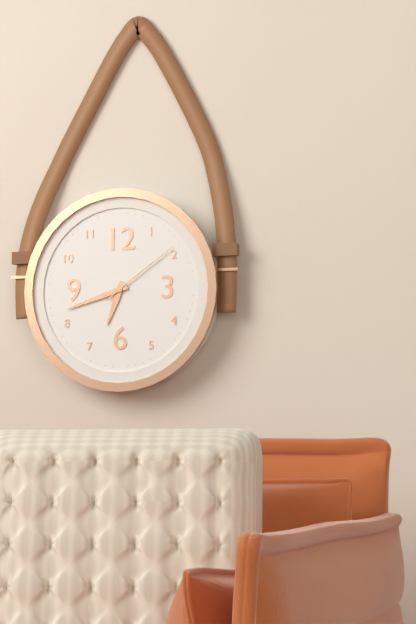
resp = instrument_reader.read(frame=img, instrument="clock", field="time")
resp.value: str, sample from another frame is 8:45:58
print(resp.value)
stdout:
6:42:09
